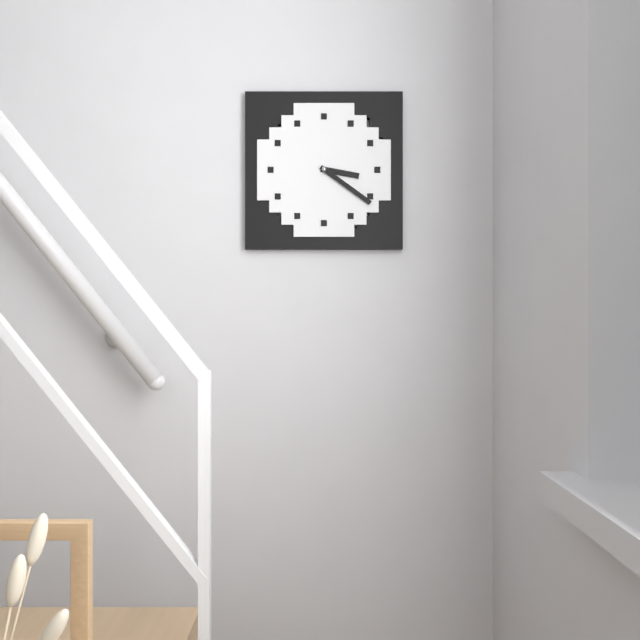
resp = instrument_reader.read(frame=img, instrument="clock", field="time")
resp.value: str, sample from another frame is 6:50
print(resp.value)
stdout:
3:21
